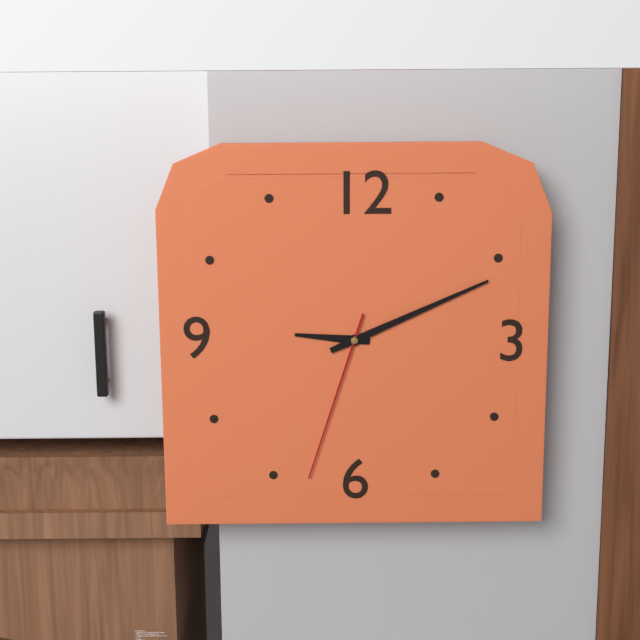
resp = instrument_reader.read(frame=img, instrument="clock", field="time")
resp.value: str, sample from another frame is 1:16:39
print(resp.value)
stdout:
9:11:33
